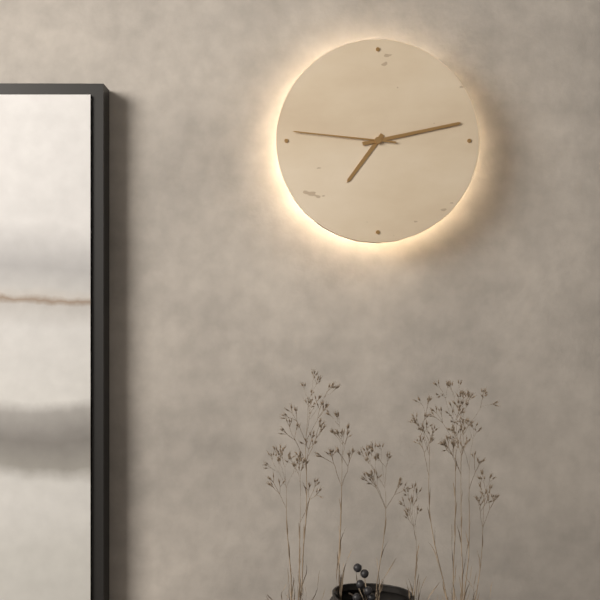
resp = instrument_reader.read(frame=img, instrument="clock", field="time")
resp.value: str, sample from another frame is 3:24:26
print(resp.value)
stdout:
7:13:46
